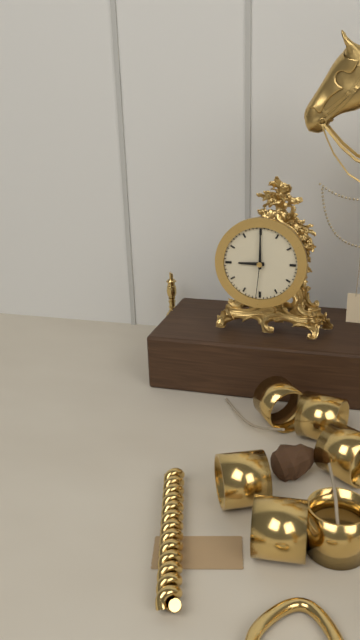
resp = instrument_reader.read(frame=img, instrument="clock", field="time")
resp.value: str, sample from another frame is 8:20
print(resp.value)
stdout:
9:00
